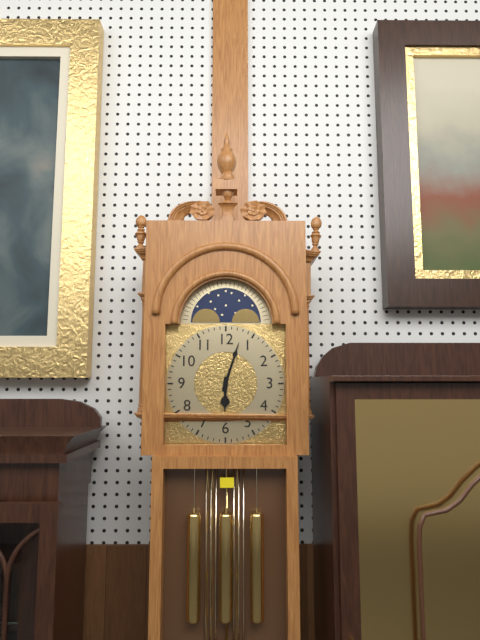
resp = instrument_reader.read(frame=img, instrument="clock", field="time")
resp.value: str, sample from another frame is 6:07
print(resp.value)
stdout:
6:03
